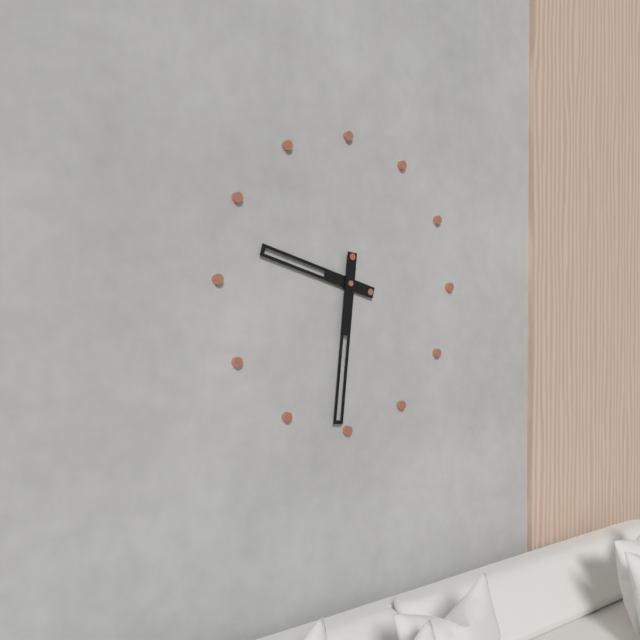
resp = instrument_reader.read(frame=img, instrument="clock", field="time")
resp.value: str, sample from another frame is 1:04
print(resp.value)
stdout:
9:31
